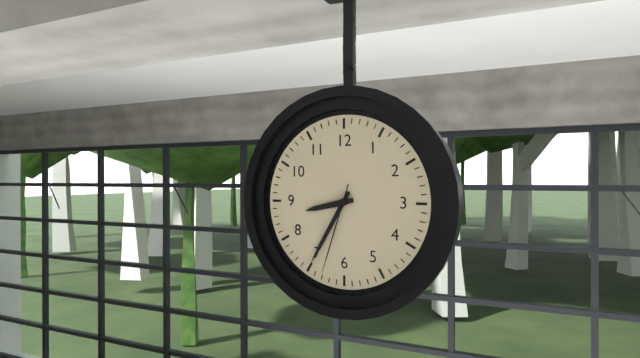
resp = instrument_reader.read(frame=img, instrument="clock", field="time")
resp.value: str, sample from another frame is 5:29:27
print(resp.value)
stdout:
8:35:33
